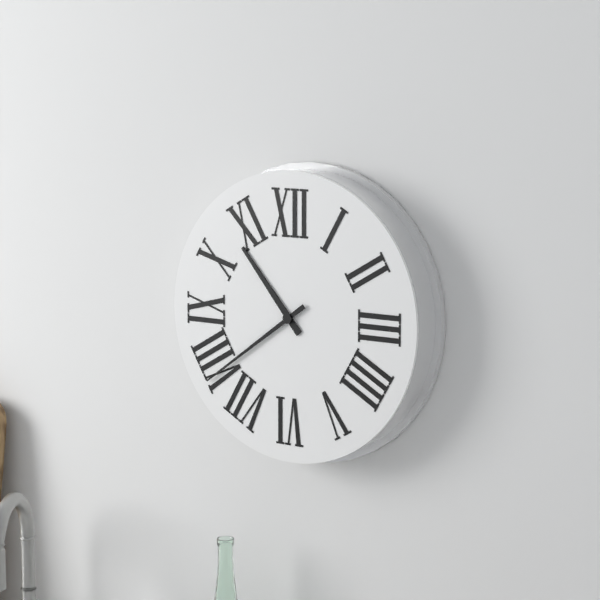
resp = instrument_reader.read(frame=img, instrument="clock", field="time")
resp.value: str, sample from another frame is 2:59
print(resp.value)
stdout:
10:39
